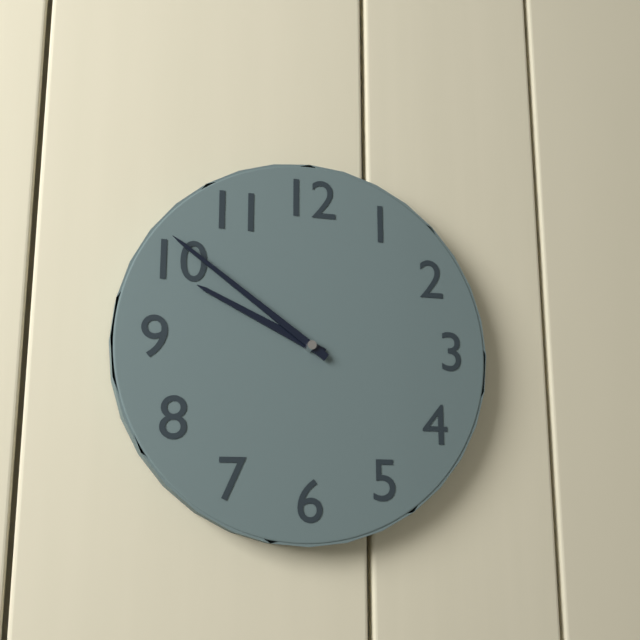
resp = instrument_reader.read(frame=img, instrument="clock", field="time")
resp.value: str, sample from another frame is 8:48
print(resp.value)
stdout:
9:51
